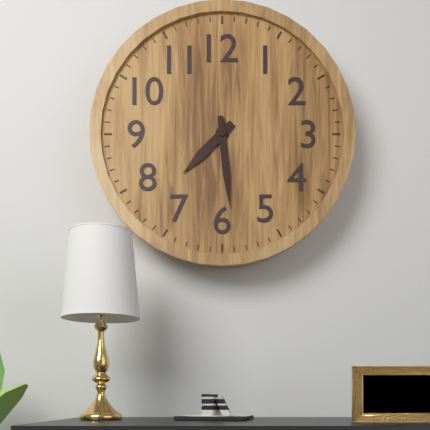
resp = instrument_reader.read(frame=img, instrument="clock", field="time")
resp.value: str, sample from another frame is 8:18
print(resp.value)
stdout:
7:29
